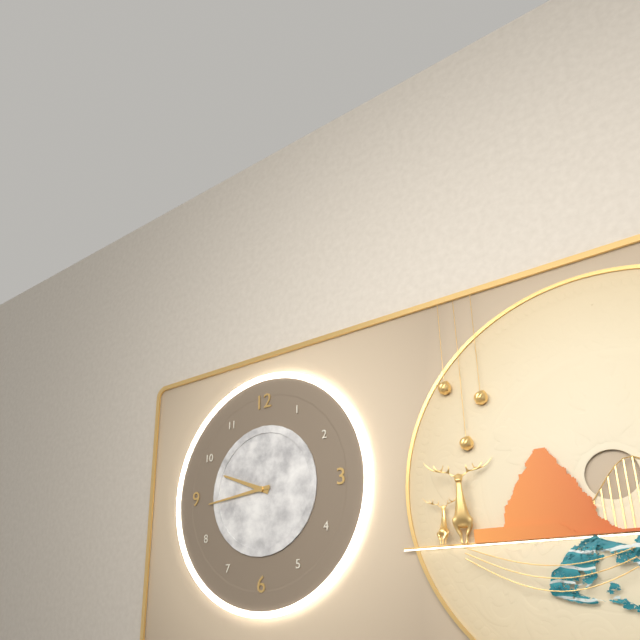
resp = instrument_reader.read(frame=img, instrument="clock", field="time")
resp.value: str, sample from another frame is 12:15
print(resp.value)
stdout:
9:44
